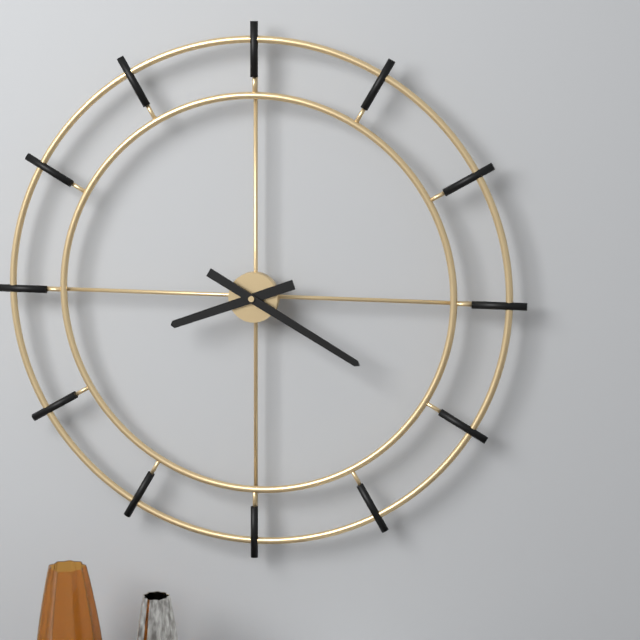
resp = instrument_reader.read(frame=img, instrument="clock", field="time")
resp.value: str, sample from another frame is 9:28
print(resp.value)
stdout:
8:20
